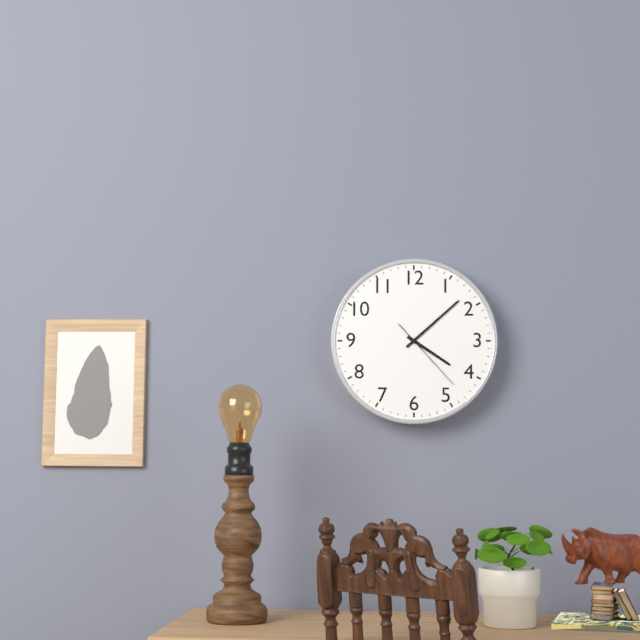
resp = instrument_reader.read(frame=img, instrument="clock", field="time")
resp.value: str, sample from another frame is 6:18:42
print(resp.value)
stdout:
4:08:23
